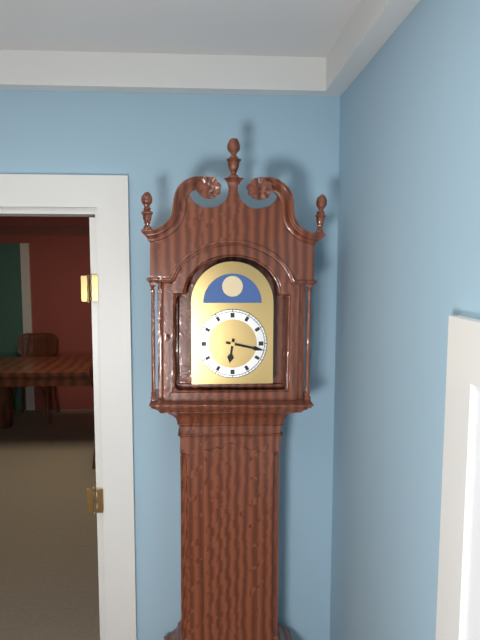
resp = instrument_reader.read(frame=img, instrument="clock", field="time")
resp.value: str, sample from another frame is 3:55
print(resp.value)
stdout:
6:17
